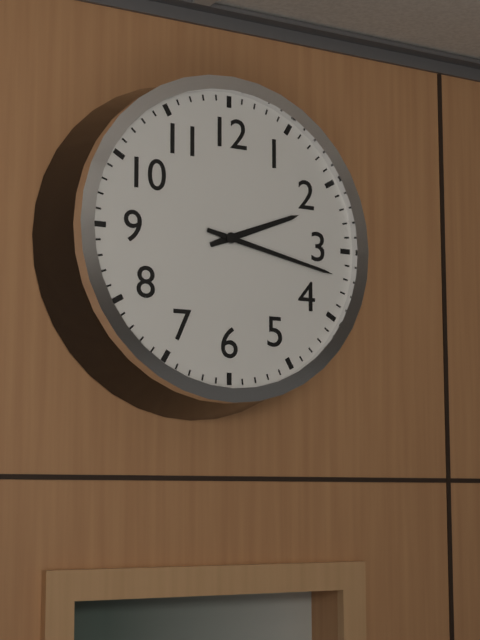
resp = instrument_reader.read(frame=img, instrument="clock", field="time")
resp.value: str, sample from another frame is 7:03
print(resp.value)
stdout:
2:17
